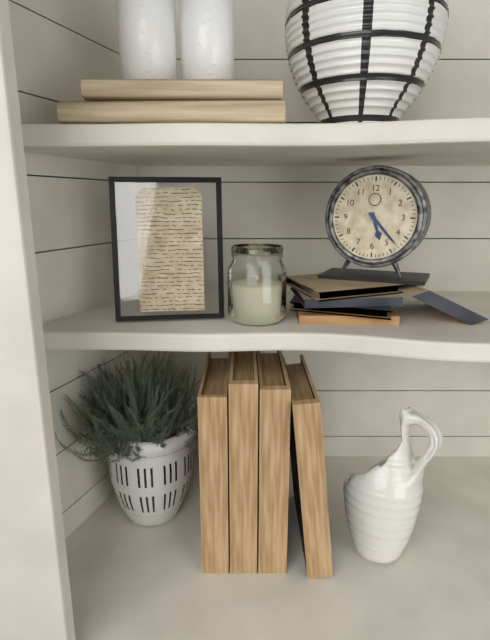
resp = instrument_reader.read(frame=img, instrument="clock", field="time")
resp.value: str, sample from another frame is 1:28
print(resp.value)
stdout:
5:23
